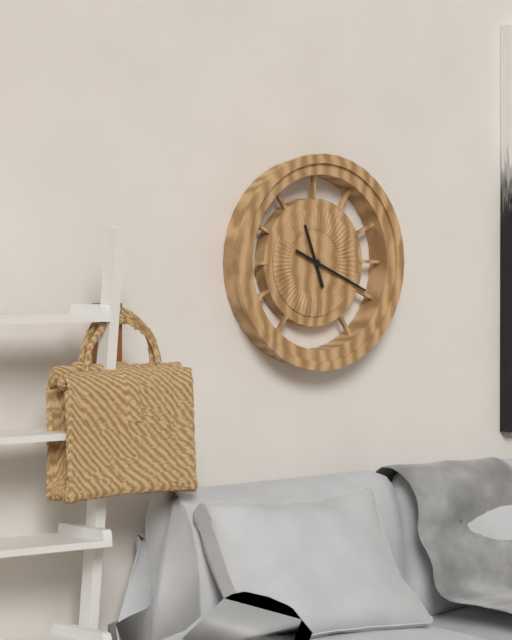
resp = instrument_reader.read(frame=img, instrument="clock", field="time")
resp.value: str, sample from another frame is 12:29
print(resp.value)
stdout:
11:19
